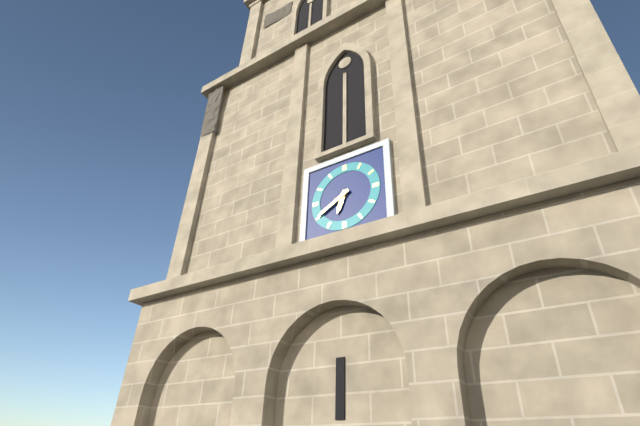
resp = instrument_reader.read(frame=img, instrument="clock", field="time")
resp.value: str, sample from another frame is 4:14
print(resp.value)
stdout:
6:40
